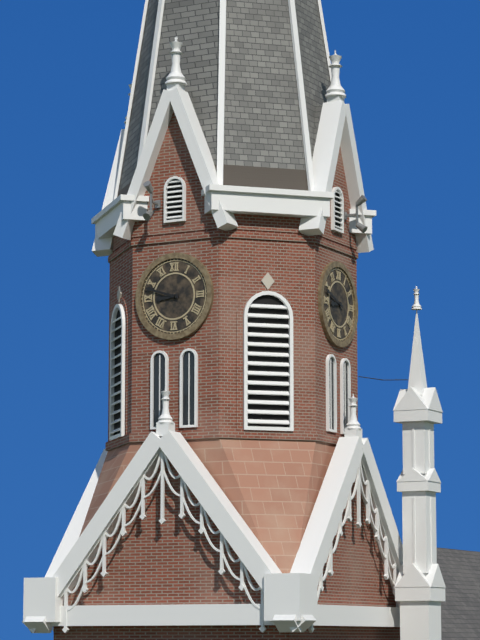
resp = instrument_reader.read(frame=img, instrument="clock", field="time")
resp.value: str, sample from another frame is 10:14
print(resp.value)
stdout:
8:48
